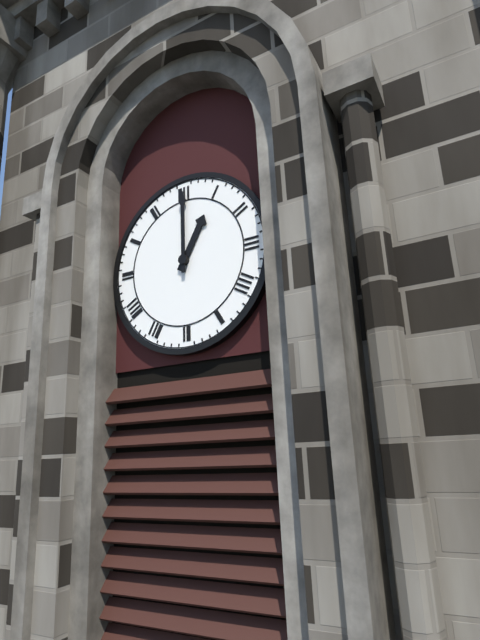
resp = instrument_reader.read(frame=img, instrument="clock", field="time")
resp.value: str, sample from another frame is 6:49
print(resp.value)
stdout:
1:00
